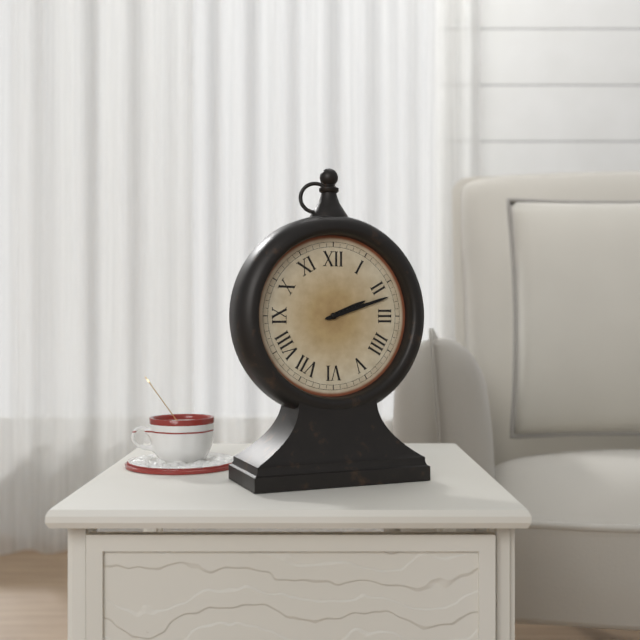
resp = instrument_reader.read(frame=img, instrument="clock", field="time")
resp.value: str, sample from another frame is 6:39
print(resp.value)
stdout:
2:12
